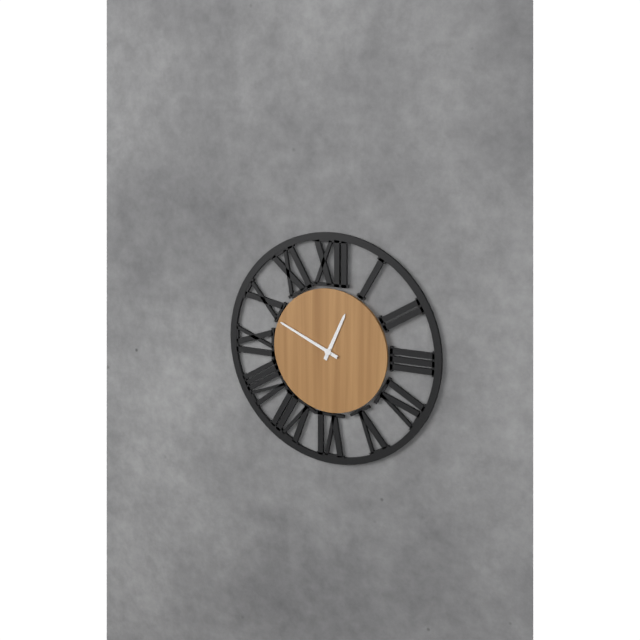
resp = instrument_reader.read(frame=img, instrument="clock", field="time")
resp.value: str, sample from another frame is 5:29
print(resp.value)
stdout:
12:49
